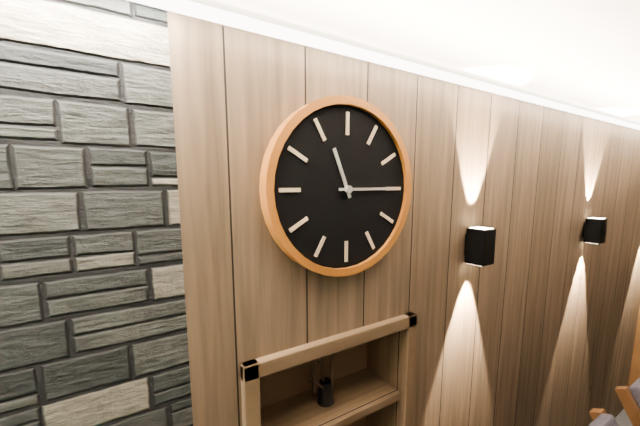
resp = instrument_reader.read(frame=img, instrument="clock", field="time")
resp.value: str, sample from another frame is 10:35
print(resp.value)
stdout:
11:15
